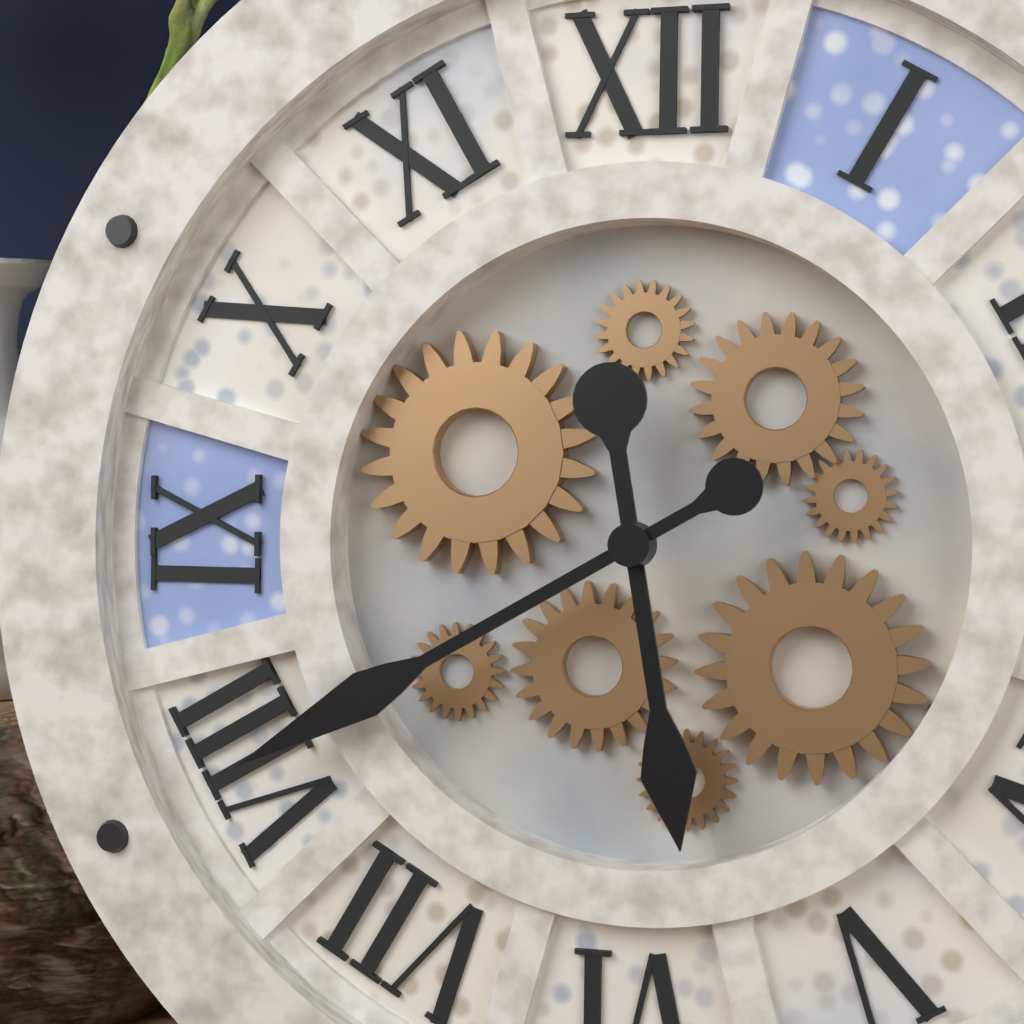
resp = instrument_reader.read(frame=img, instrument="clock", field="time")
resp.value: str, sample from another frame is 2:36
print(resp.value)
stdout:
5:40
